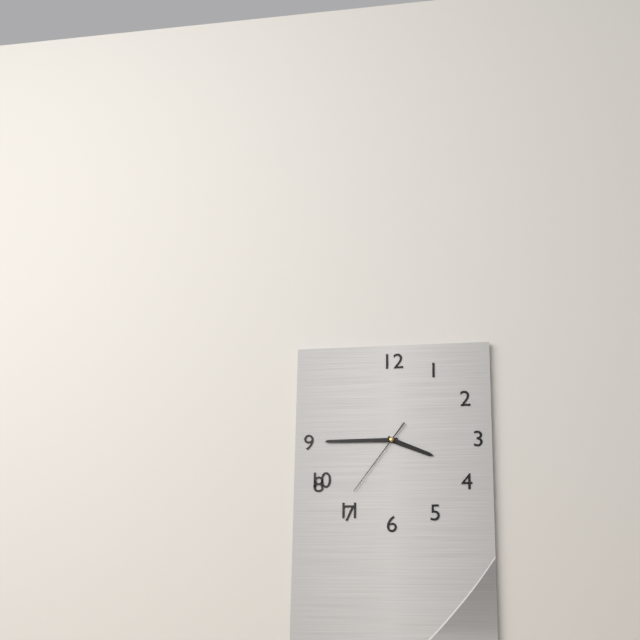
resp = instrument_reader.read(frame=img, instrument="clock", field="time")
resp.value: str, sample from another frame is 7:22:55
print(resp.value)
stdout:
3:45:36
